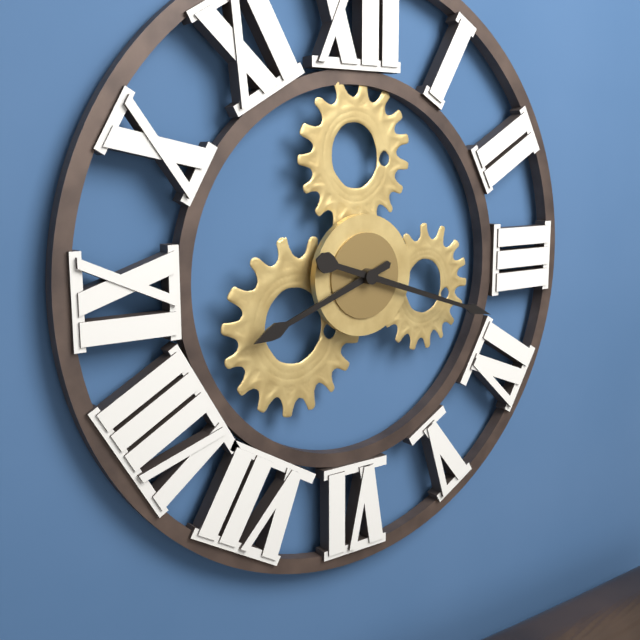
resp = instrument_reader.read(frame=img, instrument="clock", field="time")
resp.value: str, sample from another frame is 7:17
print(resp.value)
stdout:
8:18
